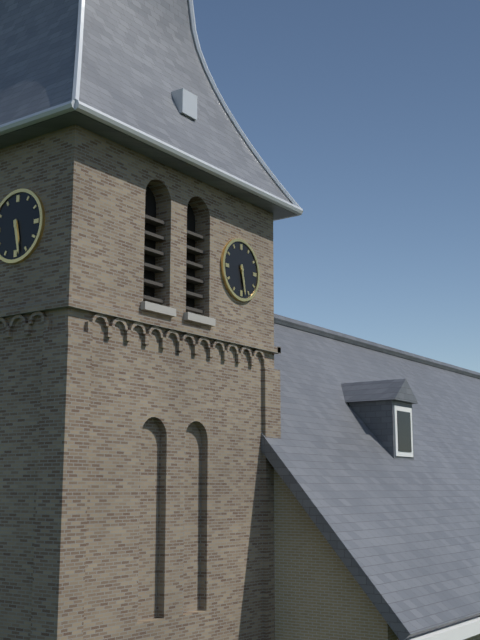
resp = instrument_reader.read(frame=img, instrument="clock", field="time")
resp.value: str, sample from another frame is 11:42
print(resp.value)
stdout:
5:28
